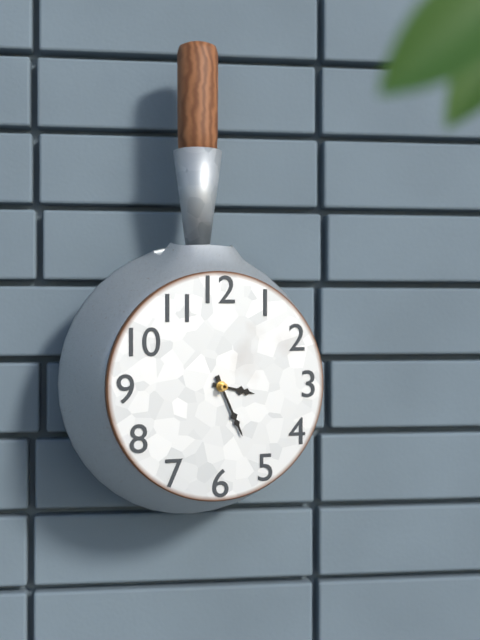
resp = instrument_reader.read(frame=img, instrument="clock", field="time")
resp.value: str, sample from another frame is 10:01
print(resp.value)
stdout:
3:26
